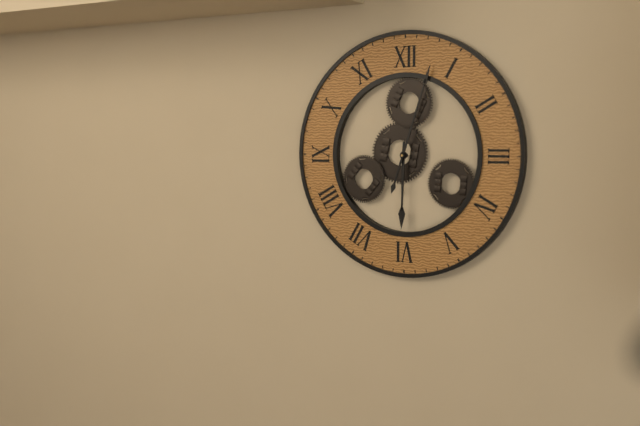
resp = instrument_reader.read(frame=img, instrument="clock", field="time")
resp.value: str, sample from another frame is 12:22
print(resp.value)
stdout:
6:03
